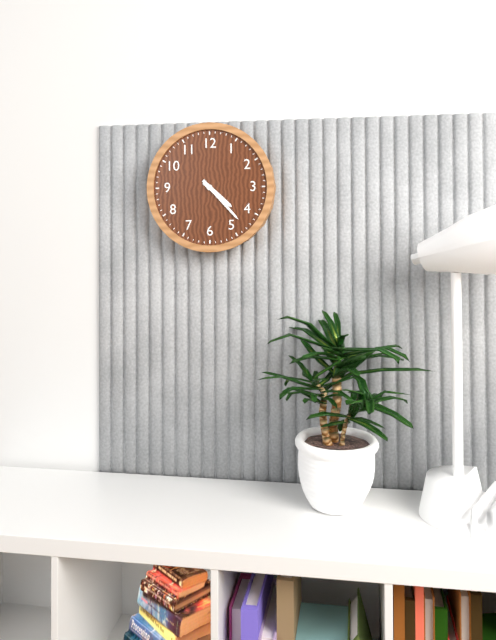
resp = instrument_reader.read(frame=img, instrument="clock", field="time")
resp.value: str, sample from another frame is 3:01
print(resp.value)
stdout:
4:23
